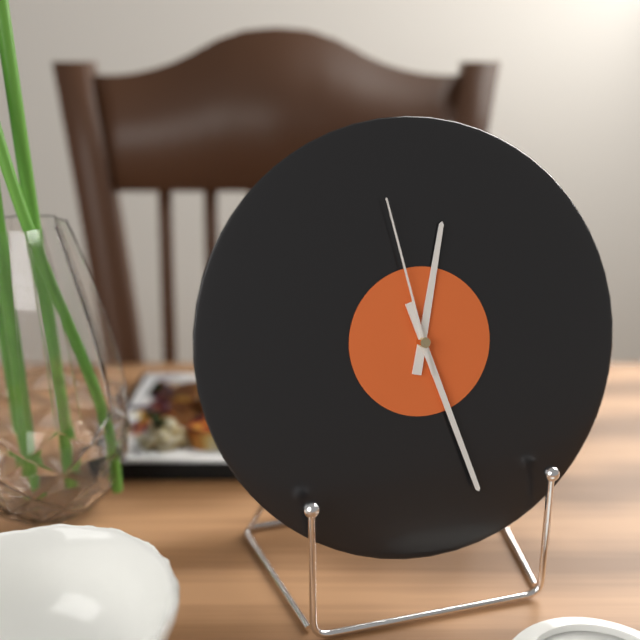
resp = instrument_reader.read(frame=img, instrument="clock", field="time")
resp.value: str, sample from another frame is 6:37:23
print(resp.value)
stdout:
12:27:58
